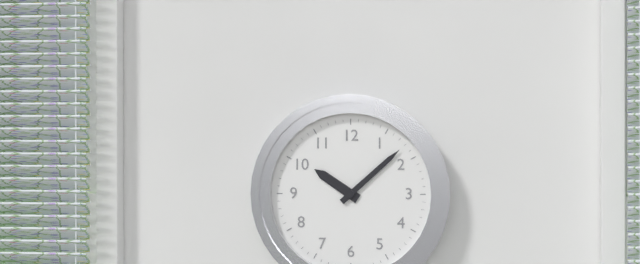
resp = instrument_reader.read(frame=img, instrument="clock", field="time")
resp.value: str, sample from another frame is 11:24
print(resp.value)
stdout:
10:08
